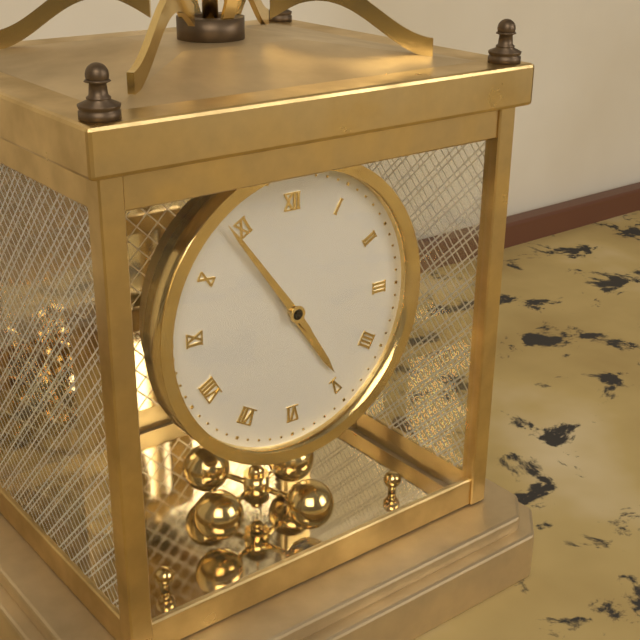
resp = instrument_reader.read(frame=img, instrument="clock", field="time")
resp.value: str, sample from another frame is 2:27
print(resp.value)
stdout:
4:54
